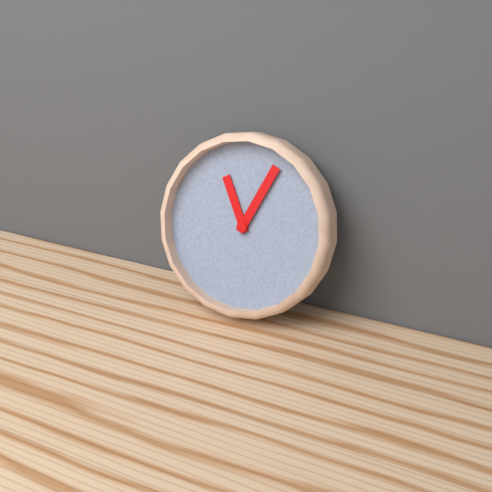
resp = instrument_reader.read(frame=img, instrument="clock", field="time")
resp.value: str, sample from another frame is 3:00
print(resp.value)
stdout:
11:04
